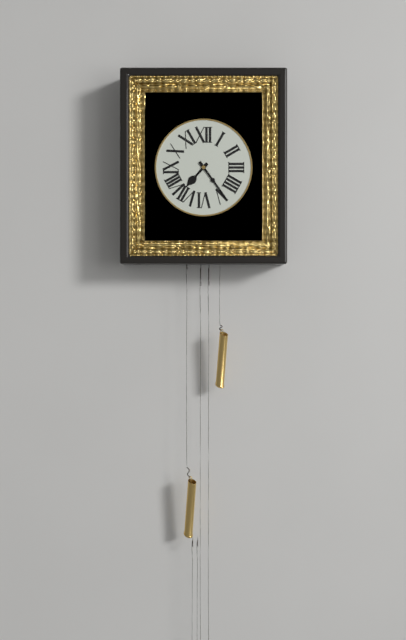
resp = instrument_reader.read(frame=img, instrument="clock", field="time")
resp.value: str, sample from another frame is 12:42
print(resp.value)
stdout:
7:24
